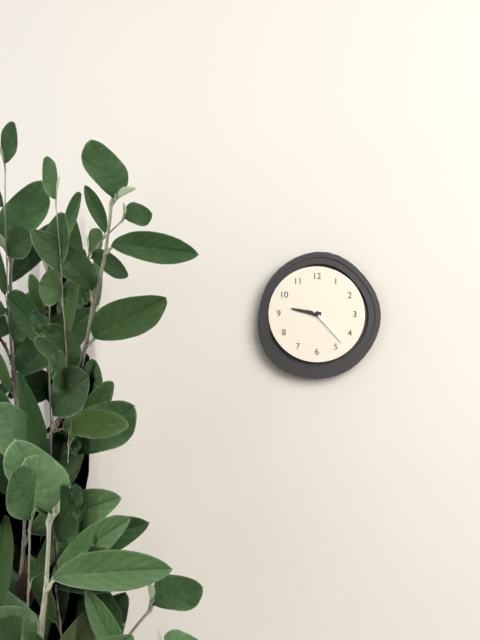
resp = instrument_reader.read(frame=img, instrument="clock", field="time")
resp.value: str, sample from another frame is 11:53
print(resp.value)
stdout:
9:23
